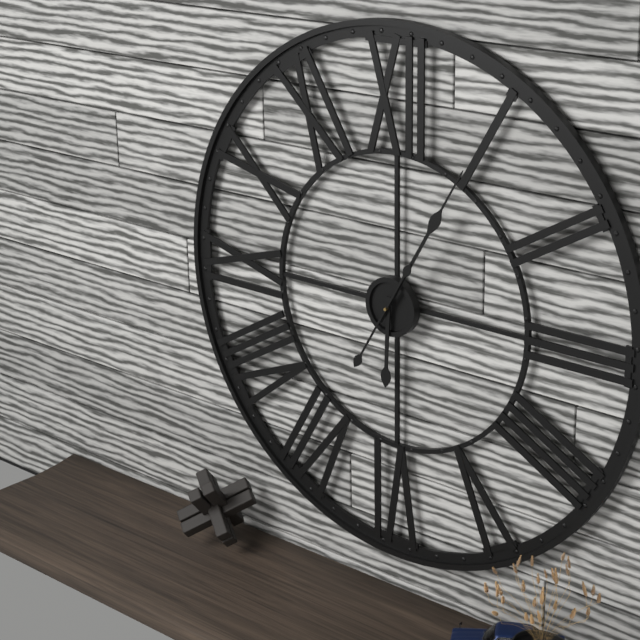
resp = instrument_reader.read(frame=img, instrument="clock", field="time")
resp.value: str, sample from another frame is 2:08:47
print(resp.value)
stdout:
6:05:35
